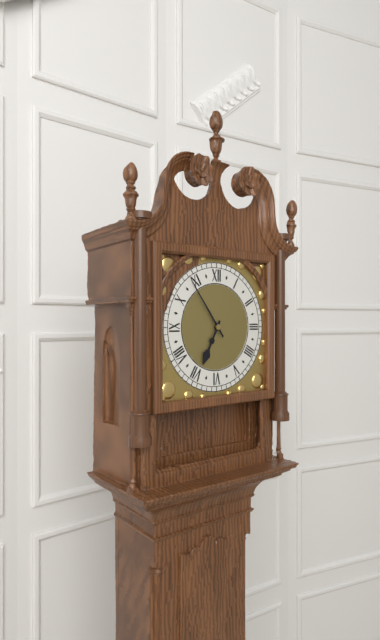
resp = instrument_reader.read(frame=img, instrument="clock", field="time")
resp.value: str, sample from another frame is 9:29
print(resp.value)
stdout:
6:54
